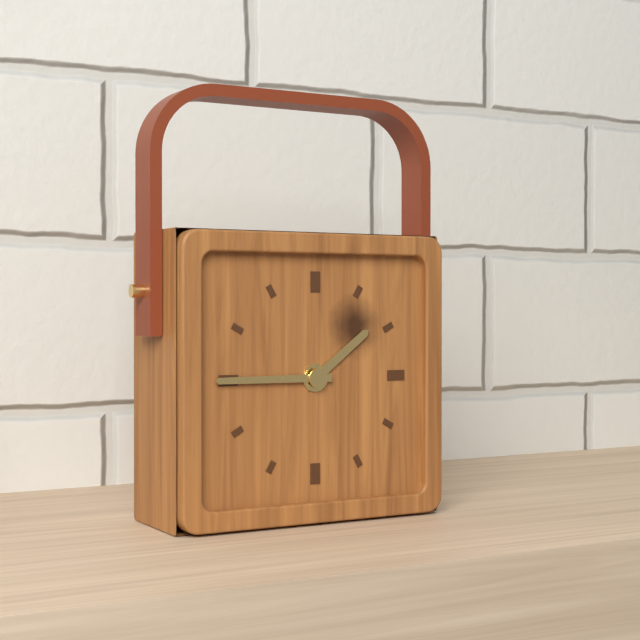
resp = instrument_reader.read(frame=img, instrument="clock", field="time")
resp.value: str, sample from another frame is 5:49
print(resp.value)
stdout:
1:45
